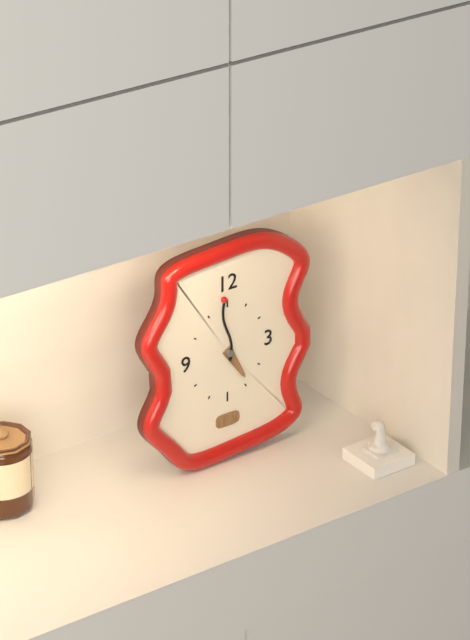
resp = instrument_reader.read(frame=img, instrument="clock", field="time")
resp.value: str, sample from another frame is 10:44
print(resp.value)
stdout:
4:59
